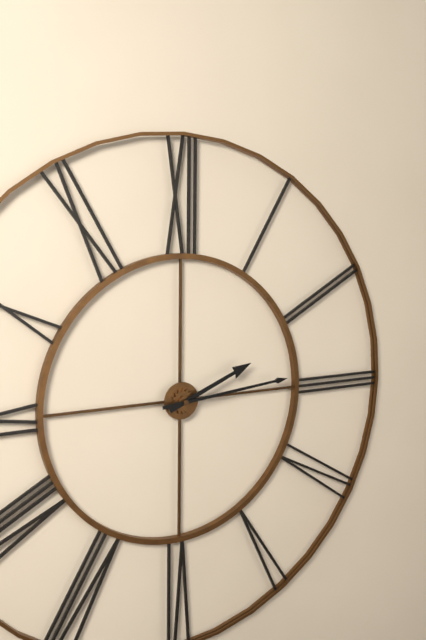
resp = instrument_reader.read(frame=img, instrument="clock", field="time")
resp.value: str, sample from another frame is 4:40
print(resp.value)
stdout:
2:14
